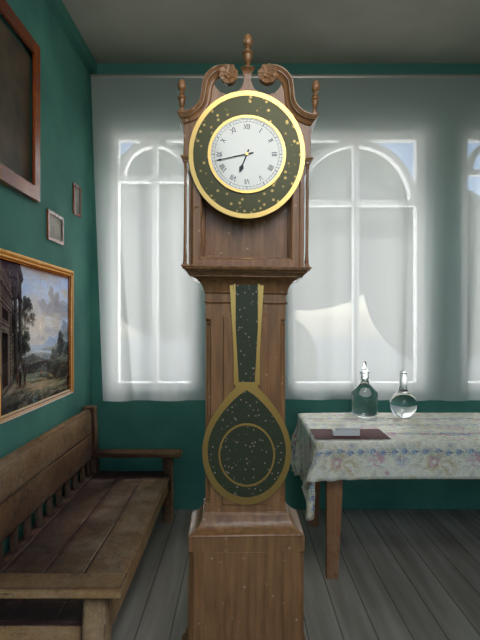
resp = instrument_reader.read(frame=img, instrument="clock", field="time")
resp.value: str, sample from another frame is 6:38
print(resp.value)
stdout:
6:43
